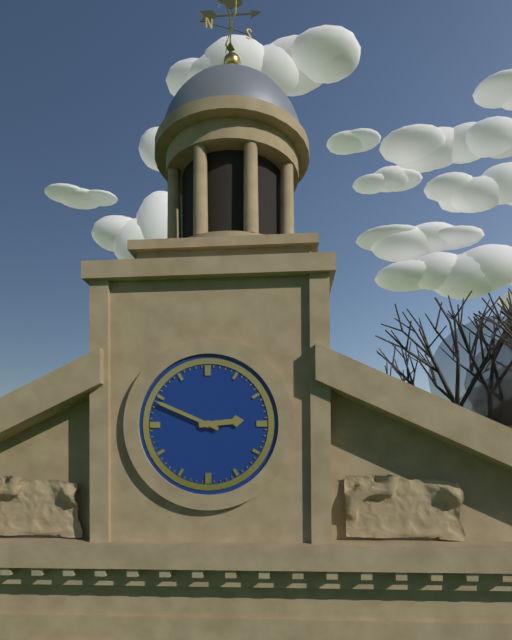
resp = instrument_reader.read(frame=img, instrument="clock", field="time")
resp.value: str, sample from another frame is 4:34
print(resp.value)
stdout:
2:49
